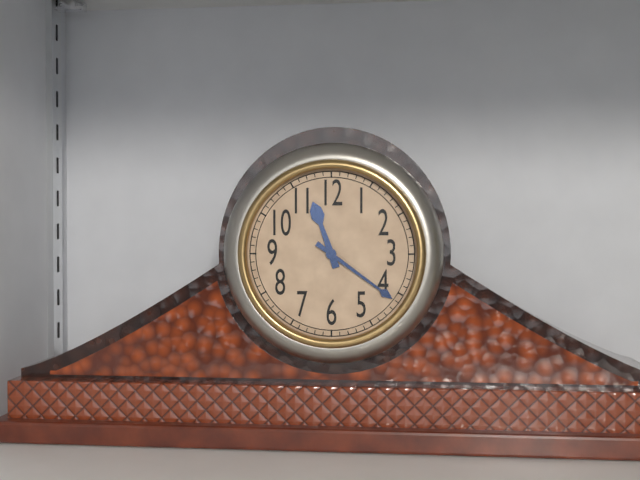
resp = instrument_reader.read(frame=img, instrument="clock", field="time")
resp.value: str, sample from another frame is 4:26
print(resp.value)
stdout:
11:21
